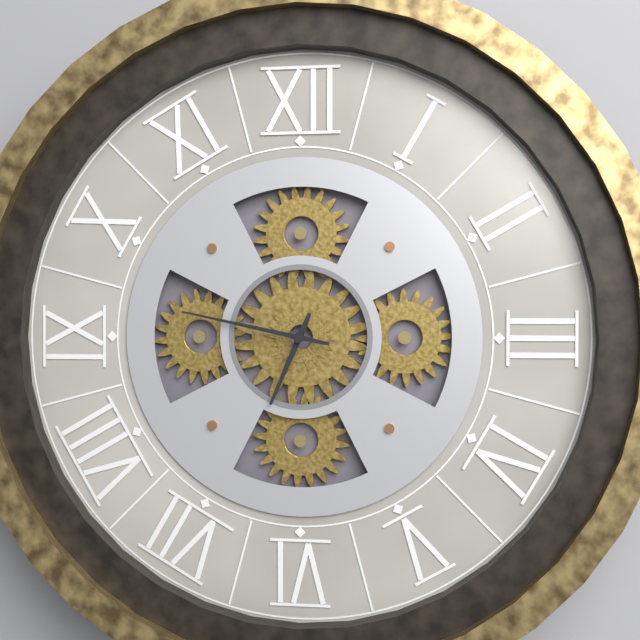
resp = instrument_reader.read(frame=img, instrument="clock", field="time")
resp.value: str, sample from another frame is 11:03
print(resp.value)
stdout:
6:47
